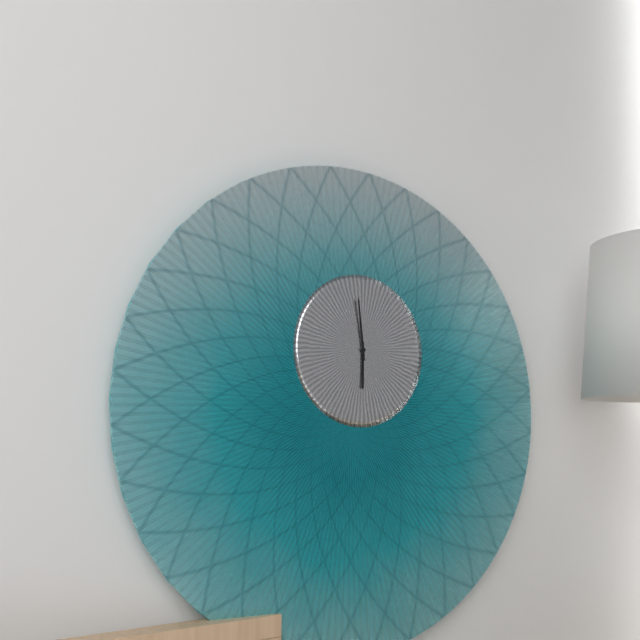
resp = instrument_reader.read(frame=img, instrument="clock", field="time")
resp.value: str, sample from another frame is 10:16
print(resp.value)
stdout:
5:59
